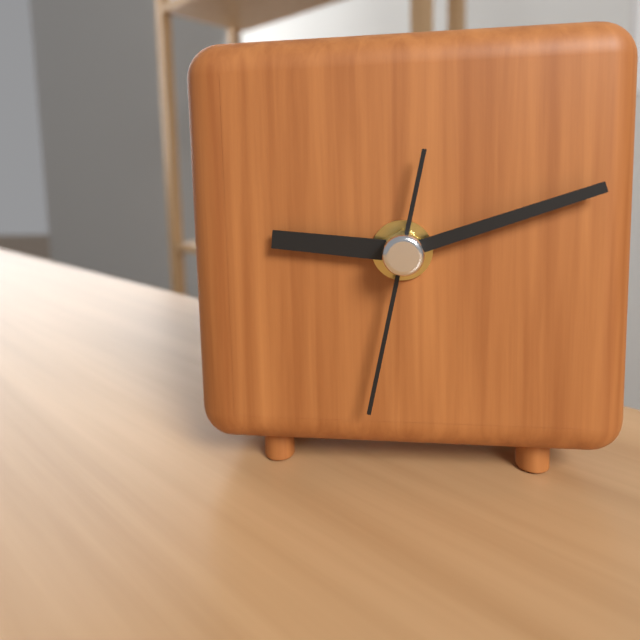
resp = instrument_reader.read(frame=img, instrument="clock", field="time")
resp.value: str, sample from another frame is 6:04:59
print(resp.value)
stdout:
9:12:32
